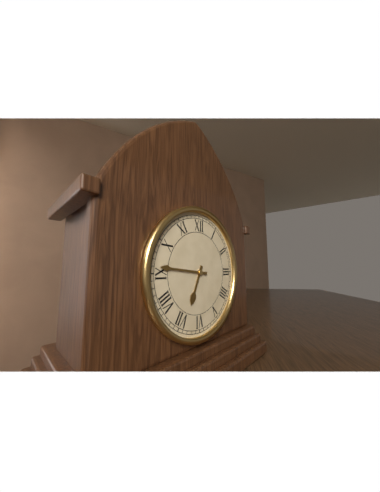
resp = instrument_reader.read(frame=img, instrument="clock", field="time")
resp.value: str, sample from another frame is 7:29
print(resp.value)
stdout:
6:46
